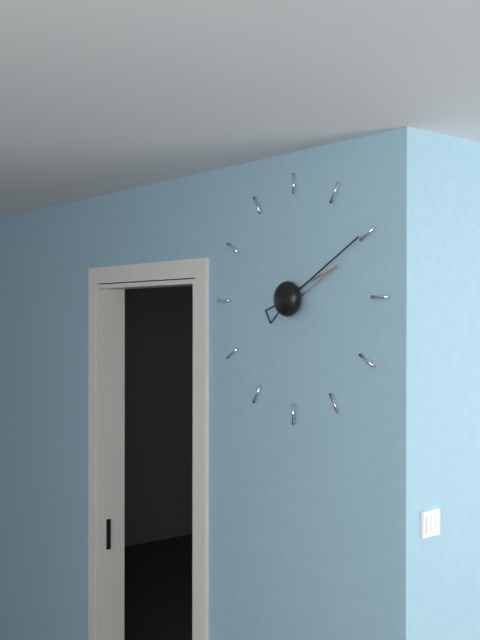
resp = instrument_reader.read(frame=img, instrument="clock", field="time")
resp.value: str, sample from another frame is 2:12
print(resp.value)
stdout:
2:10
